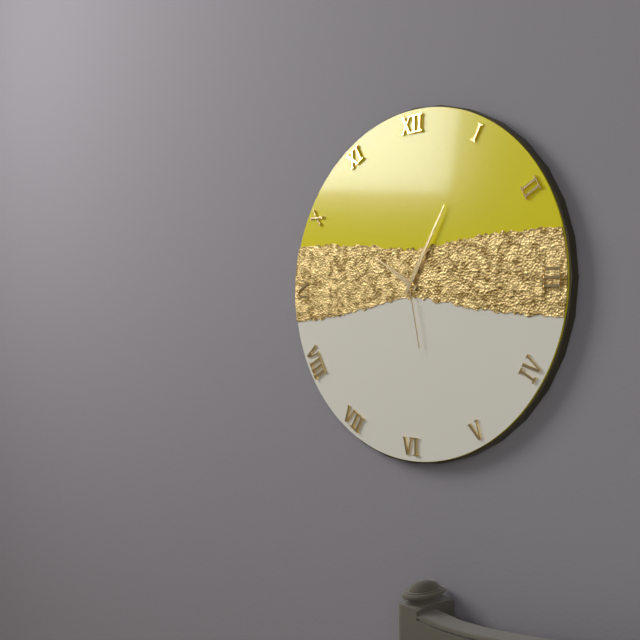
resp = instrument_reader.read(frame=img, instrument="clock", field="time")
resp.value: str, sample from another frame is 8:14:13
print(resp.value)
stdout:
10:05:28
